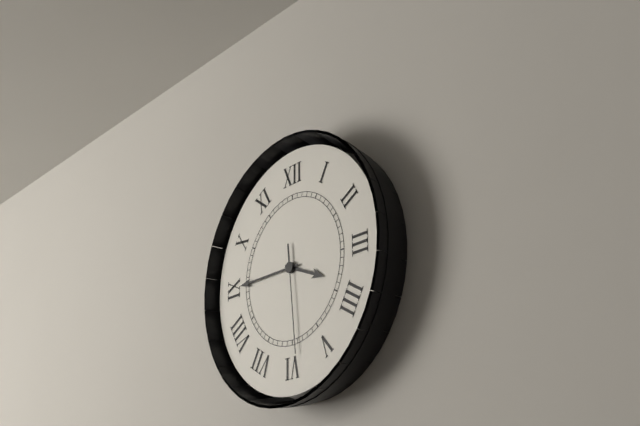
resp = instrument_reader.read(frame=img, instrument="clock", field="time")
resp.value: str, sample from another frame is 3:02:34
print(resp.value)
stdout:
3:45:29
